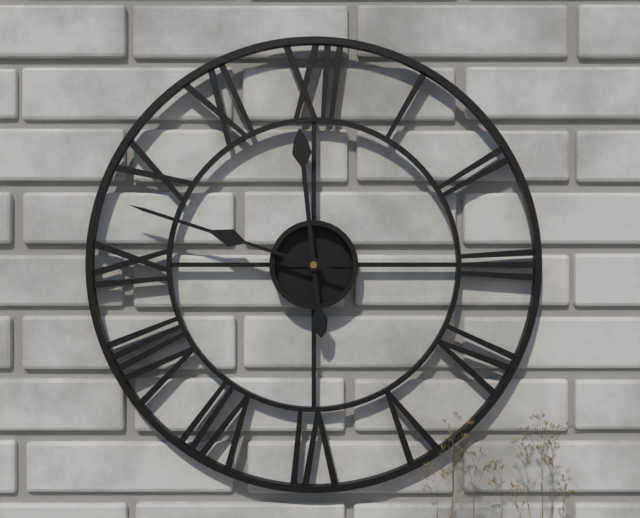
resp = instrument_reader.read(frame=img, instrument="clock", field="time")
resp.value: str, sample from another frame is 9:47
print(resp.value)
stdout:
11:48
